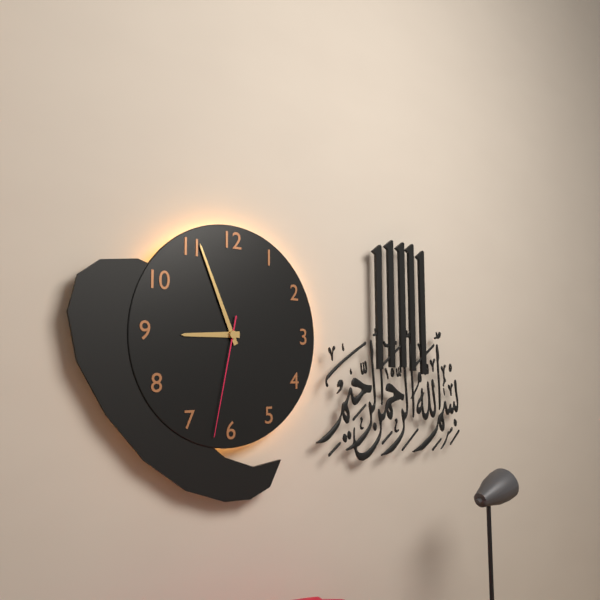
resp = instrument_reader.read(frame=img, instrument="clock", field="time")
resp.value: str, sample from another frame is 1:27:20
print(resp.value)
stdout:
8:56:32
